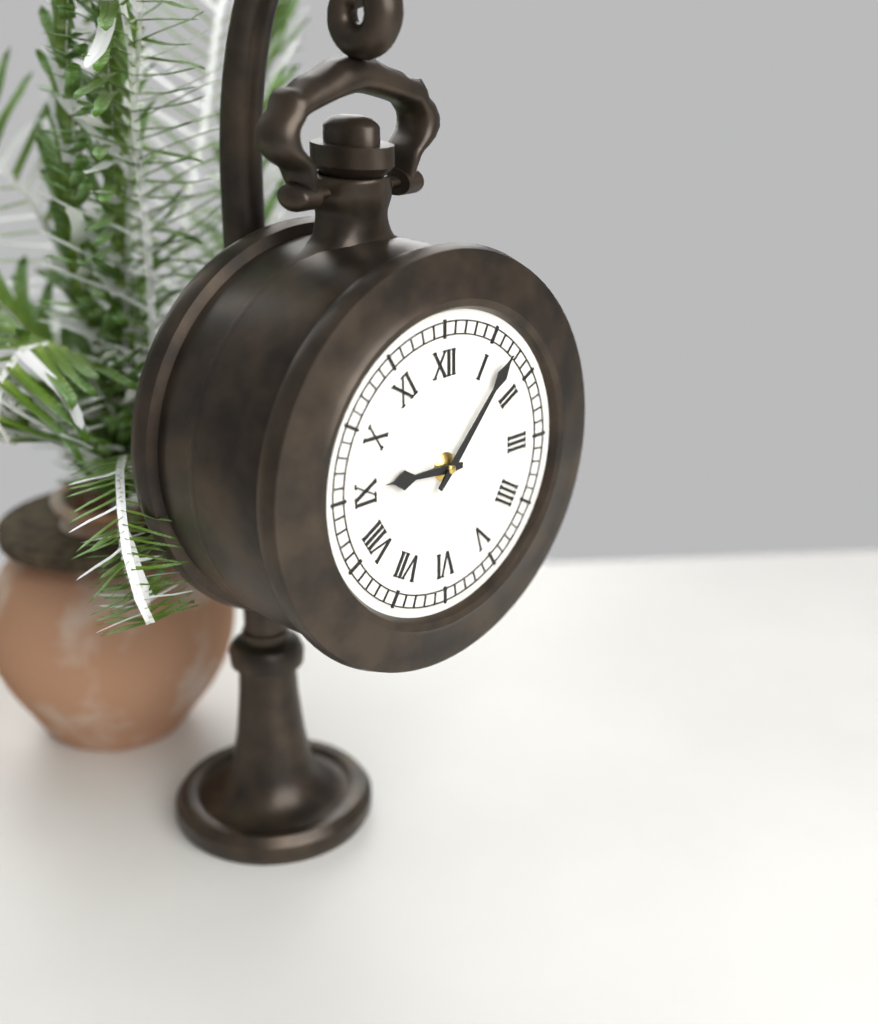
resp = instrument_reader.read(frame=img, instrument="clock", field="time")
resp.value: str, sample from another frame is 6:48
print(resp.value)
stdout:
9:07
